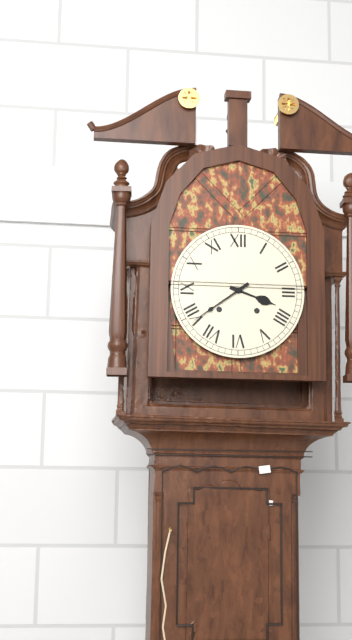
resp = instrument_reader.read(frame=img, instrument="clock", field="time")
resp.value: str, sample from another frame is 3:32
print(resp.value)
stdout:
3:39
